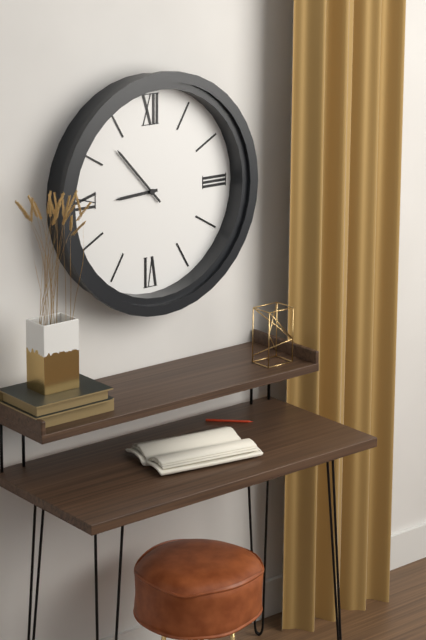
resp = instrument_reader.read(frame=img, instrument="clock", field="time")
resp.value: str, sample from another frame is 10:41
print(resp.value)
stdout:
8:53
